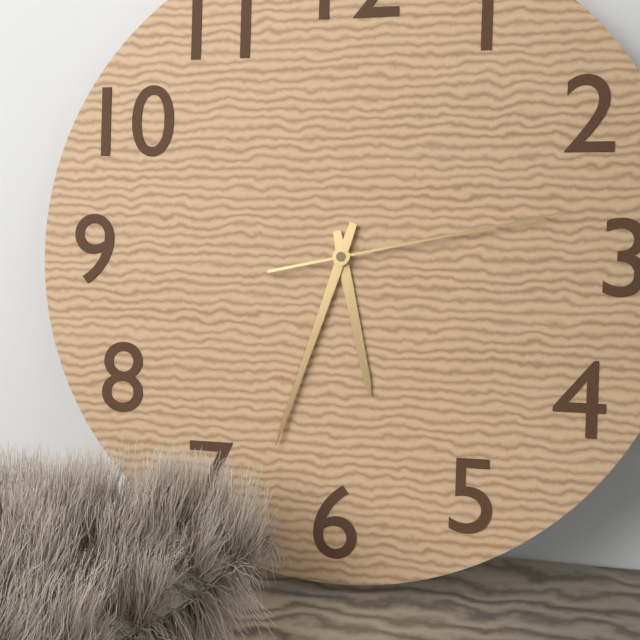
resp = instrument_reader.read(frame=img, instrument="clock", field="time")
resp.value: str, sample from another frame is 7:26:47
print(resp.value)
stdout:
5:33:13
